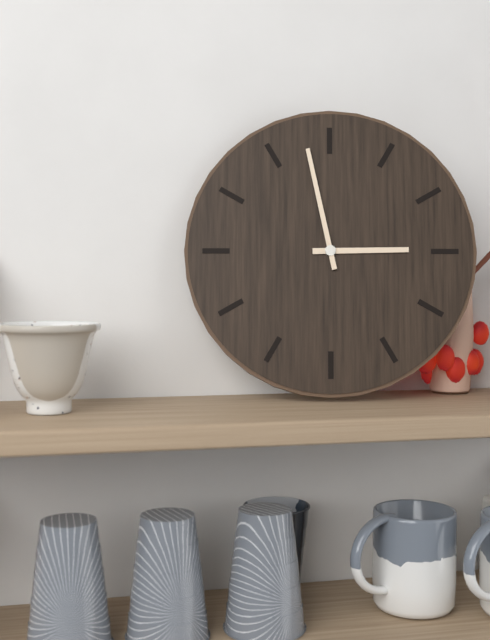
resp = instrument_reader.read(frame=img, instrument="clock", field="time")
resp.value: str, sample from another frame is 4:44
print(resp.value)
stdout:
2:58
